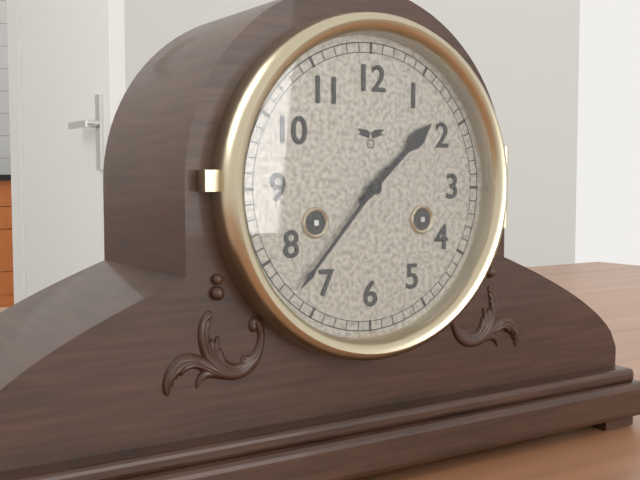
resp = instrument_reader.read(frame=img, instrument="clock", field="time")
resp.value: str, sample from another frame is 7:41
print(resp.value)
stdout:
1:37
